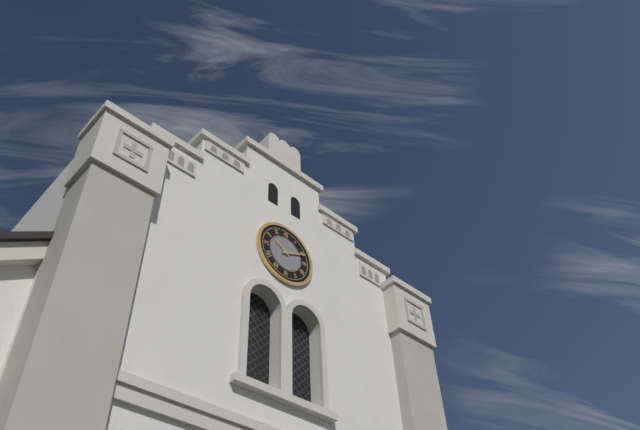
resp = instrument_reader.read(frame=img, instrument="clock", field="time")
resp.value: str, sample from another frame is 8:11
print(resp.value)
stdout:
10:11
